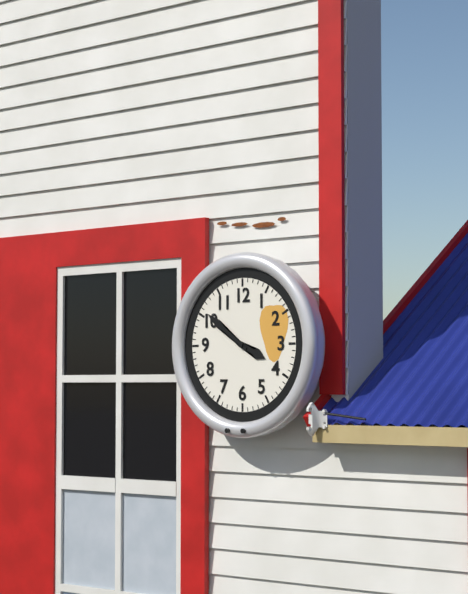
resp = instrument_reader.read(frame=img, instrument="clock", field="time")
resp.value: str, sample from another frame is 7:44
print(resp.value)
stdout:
3:51
